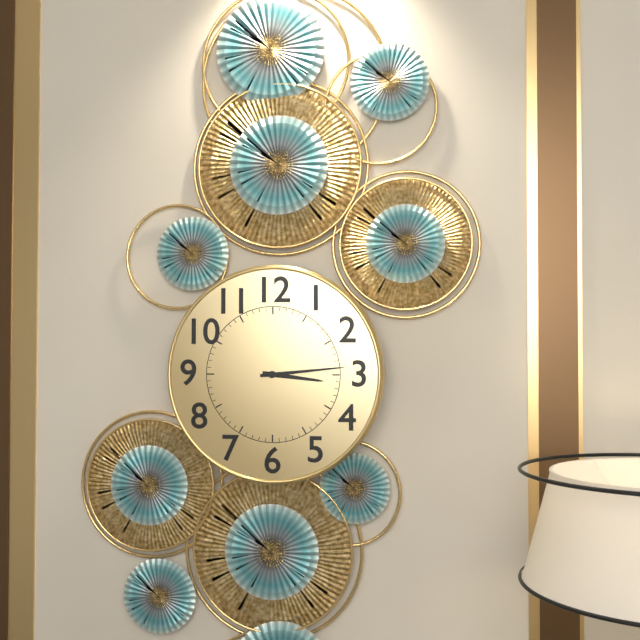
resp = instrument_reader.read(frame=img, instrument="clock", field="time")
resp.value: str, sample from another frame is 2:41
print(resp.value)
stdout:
3:14
